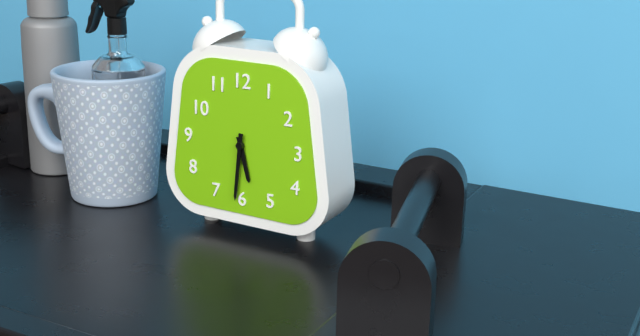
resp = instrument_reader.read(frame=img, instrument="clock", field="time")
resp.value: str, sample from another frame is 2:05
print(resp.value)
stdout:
5:31
